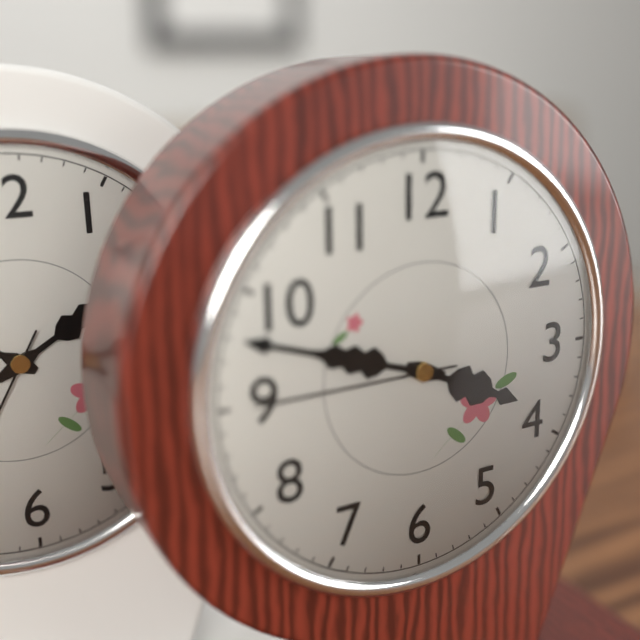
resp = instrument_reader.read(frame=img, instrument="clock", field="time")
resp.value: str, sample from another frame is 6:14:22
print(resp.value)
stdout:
3:48:45
